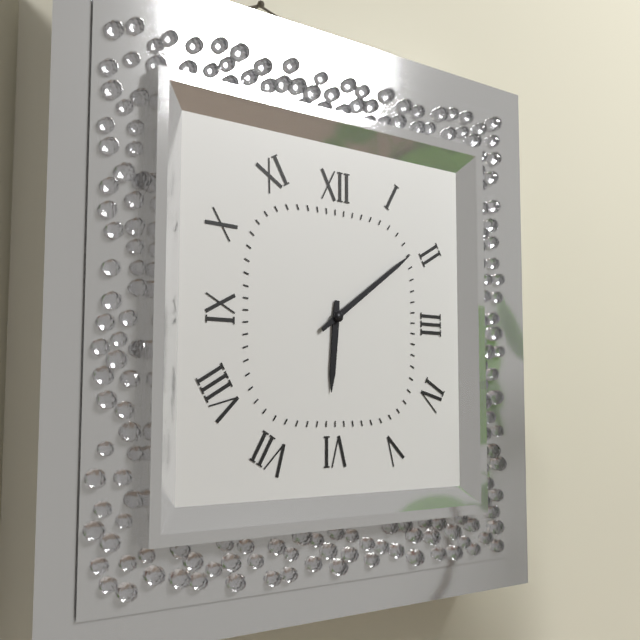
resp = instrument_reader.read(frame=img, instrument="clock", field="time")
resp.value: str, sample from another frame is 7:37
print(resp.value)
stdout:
6:09
